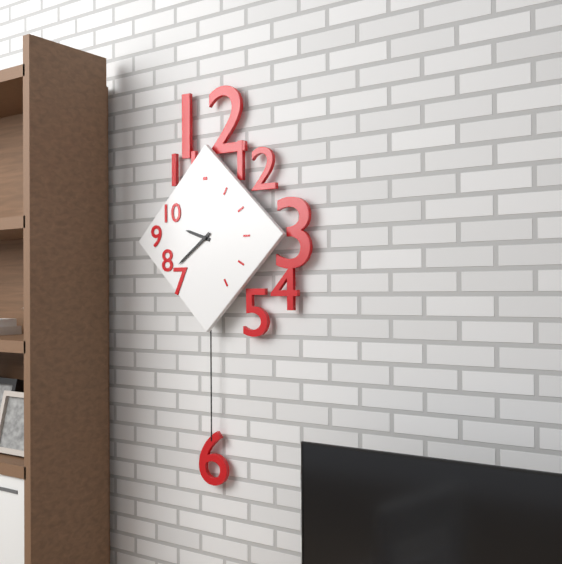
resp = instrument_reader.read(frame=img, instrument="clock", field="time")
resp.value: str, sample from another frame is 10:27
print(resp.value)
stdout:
9:39
